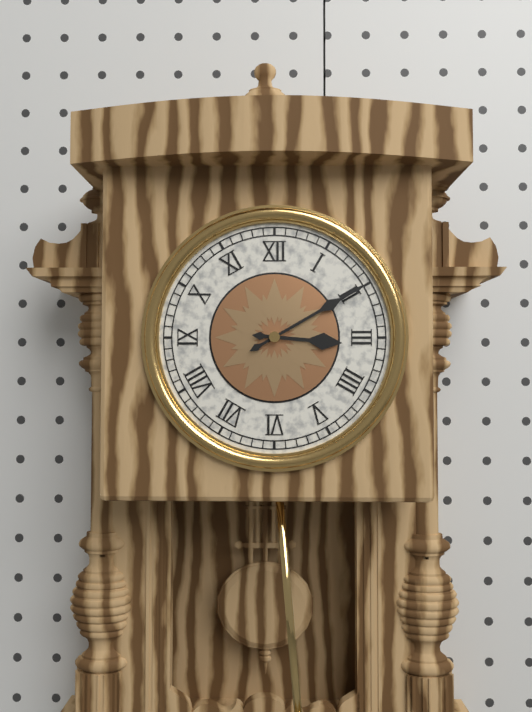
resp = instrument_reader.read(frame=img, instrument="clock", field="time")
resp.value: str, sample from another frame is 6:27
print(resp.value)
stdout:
3:10
